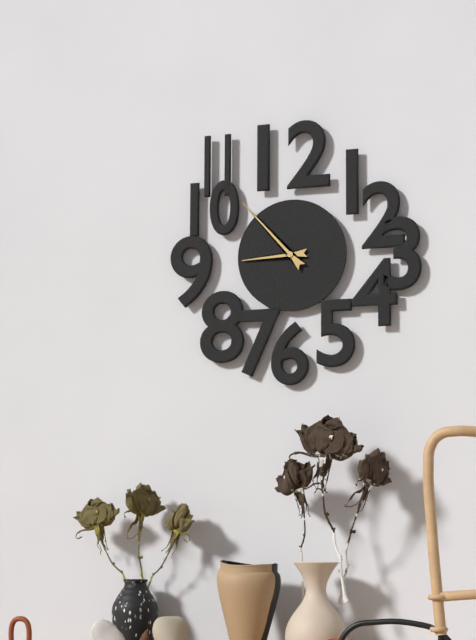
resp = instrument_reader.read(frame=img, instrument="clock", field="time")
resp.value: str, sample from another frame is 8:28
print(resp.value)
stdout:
8:53
